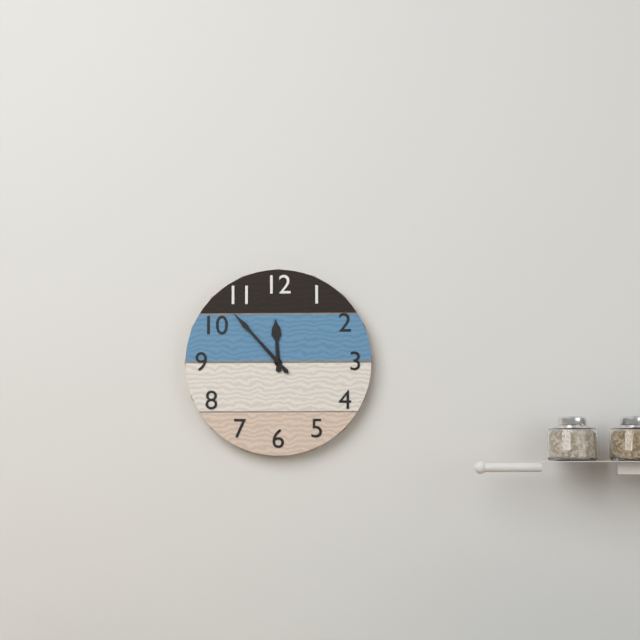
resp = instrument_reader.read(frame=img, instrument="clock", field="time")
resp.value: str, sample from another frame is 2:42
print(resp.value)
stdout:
11:53
